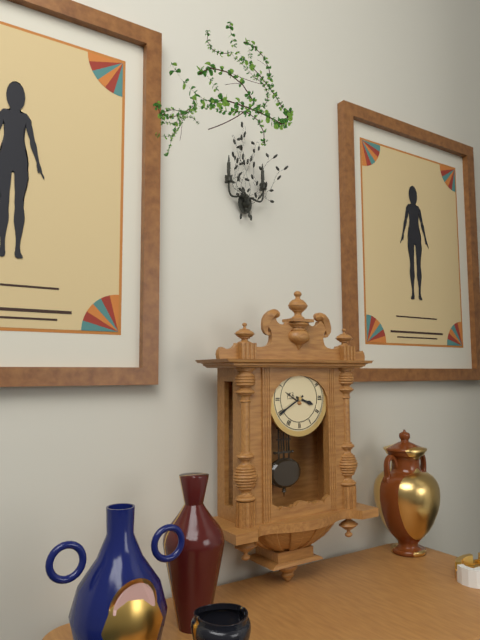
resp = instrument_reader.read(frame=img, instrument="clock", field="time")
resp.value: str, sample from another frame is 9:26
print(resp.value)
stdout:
3:40
